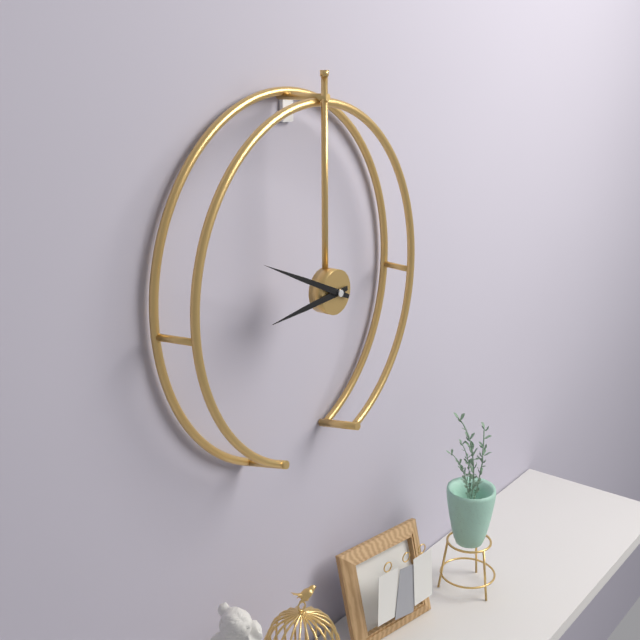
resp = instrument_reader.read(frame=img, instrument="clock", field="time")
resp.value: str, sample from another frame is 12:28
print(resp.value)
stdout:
8:49
